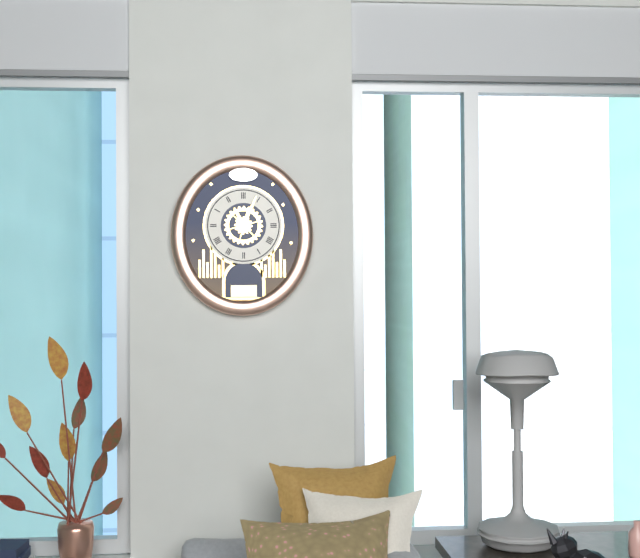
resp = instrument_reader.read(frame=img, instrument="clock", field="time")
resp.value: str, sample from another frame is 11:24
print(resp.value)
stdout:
11:04
